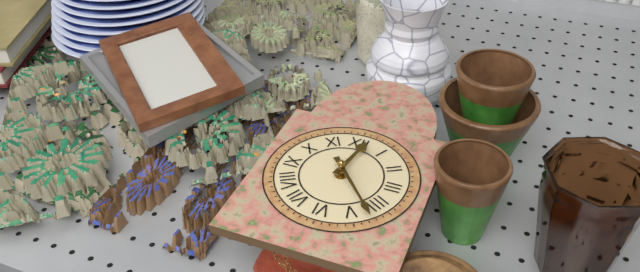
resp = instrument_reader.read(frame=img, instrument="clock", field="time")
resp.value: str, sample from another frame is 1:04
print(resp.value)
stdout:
12:23
